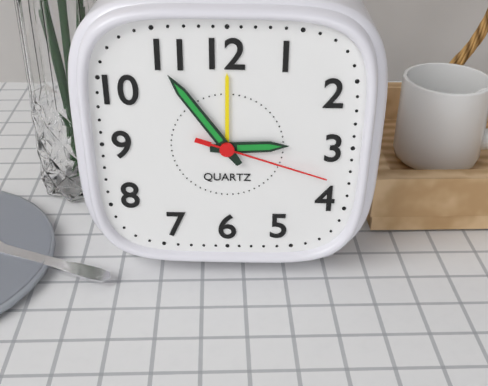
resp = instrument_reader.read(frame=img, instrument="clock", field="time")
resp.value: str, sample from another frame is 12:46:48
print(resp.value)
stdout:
2:54:18
